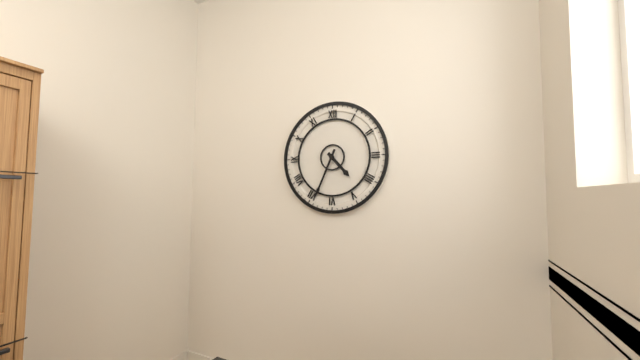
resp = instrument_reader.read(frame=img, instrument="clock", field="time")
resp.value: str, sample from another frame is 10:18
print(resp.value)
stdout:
4:34
